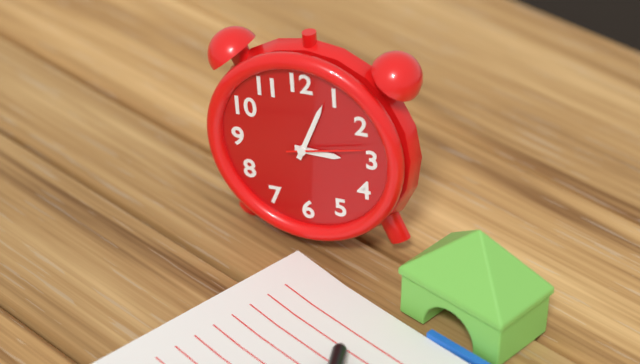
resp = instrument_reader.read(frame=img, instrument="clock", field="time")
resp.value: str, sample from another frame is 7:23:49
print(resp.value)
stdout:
3:04:13
